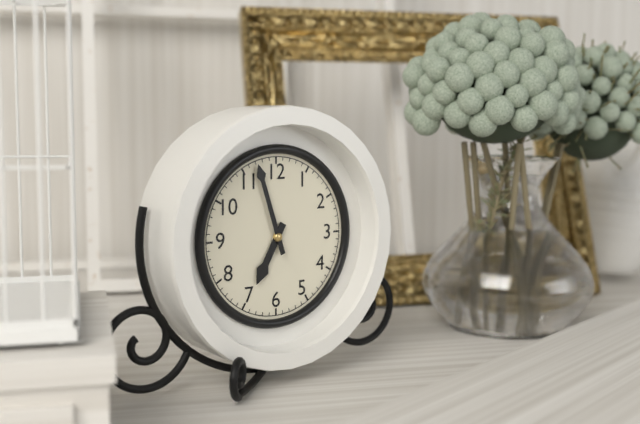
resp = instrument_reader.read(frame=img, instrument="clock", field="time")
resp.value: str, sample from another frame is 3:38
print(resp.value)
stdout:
6:57
